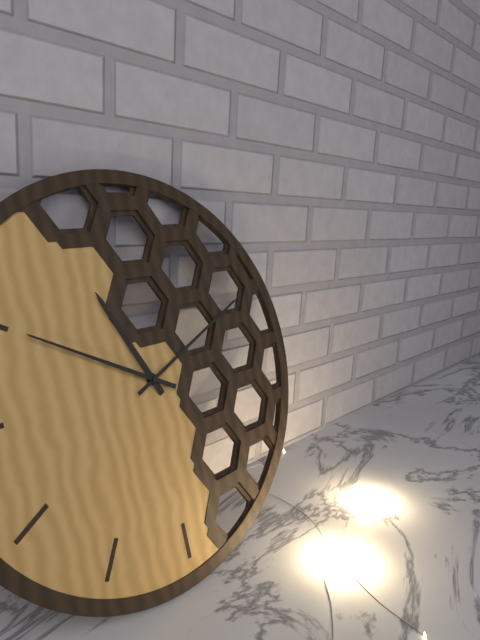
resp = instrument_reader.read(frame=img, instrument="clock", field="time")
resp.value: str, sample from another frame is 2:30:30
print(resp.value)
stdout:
11:11:50
